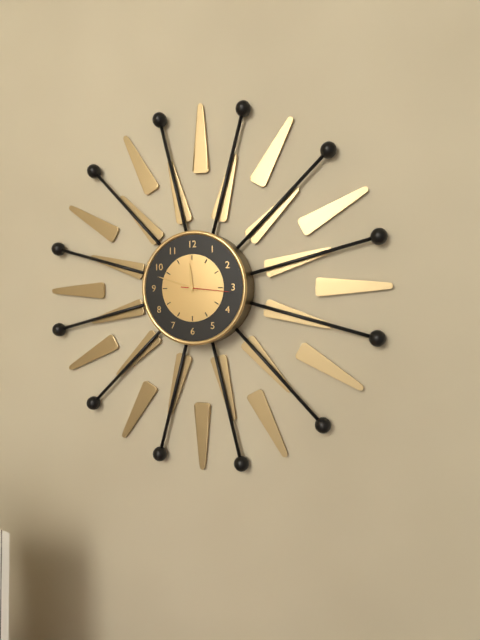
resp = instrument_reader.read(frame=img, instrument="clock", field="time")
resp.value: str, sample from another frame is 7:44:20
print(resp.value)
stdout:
11:48:16
